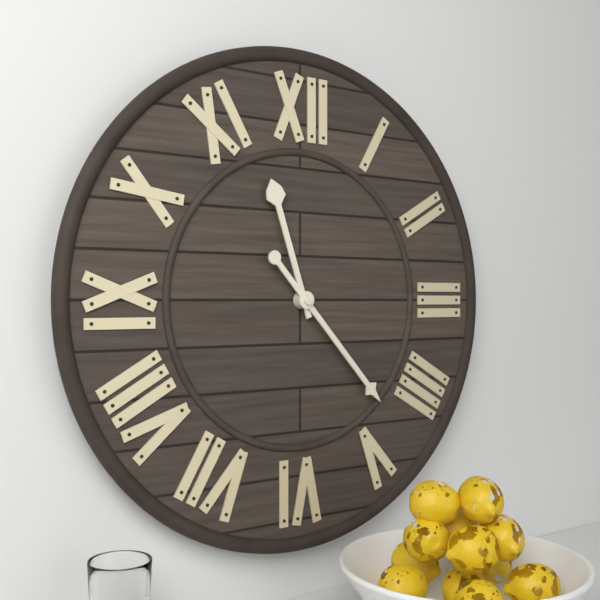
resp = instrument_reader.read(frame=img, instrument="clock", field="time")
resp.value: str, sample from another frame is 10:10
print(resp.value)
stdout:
11:23
